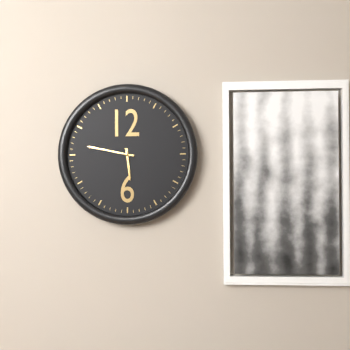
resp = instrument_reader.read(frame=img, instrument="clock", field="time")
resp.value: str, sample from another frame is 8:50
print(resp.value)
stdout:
5:47
